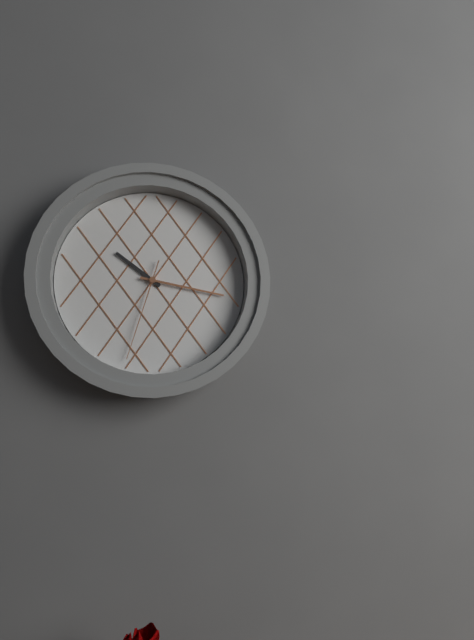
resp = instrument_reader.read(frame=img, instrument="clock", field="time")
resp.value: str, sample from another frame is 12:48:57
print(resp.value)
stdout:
10:17:33
